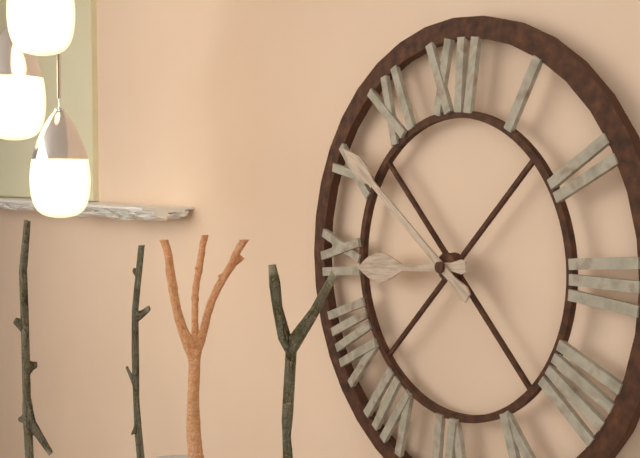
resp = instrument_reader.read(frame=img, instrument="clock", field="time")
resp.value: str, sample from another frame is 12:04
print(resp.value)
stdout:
8:51
